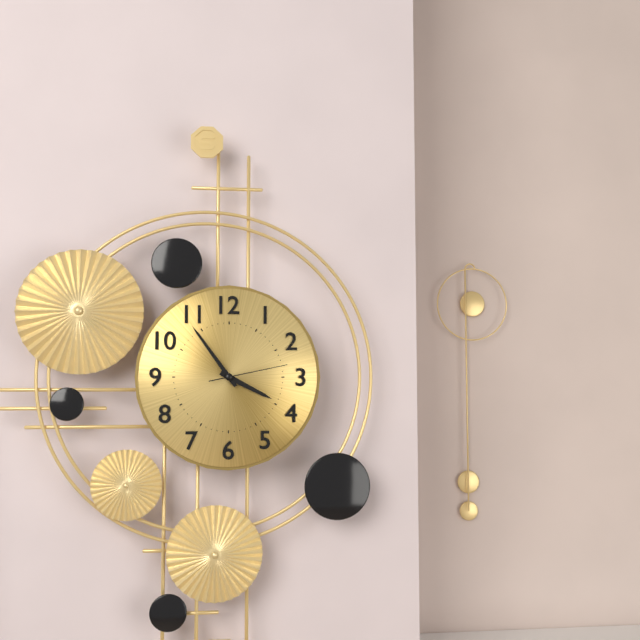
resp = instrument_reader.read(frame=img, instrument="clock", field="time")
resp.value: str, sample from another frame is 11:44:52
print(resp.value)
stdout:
3:54:13
